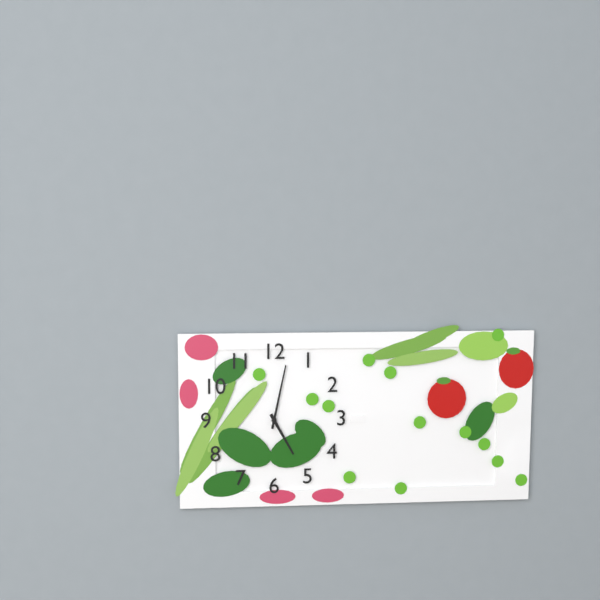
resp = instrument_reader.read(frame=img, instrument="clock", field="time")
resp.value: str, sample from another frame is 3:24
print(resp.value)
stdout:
5:02
